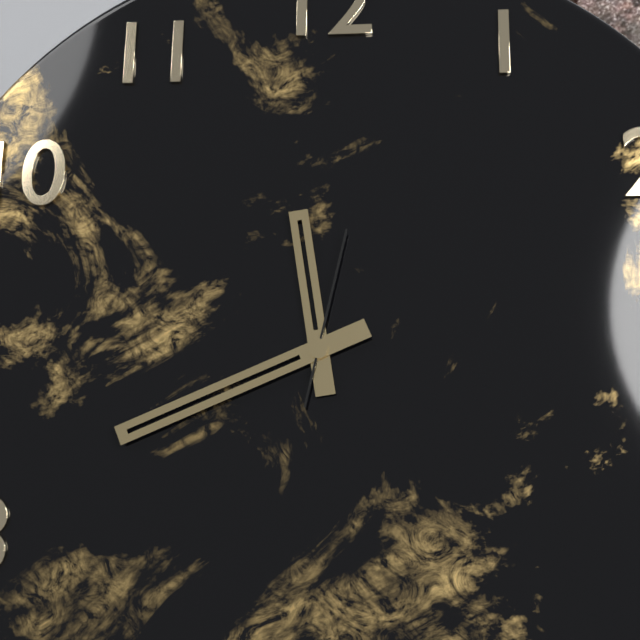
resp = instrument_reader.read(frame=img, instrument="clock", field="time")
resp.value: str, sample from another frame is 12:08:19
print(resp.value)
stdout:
11:41:02
